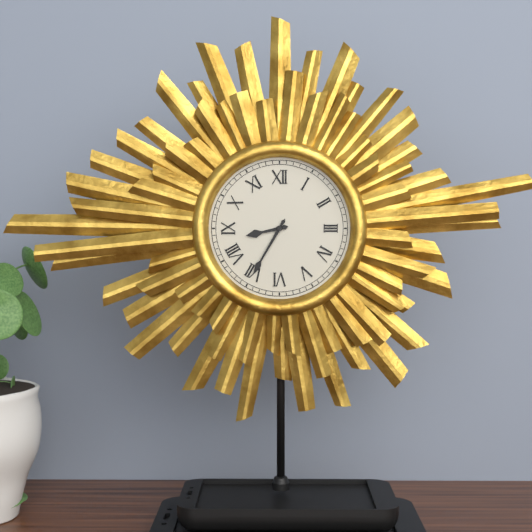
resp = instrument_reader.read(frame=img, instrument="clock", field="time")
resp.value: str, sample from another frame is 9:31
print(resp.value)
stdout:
8:35
